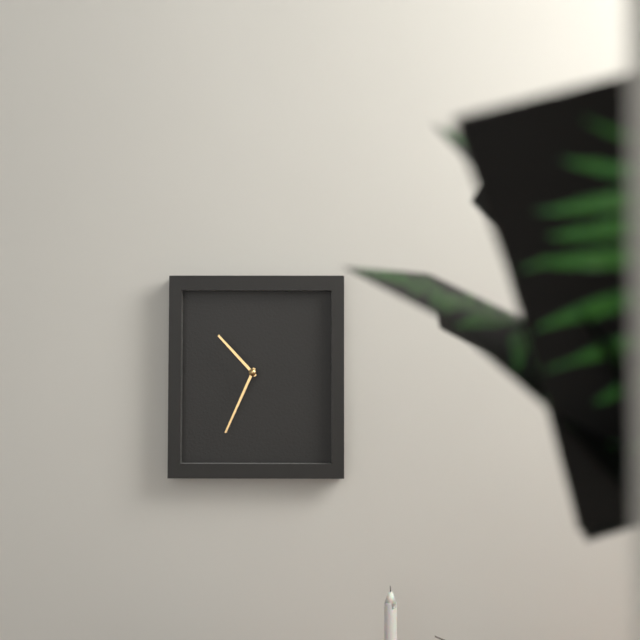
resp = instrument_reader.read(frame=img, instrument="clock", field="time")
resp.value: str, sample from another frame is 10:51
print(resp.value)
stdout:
10:34
